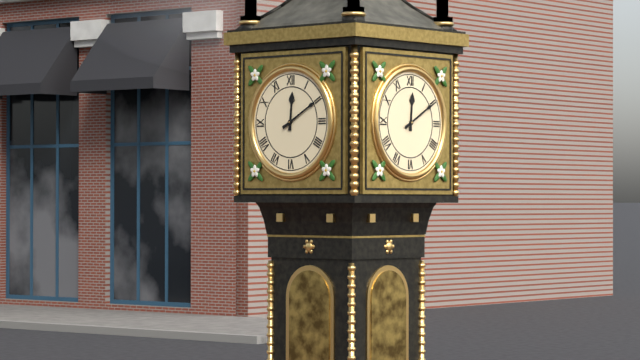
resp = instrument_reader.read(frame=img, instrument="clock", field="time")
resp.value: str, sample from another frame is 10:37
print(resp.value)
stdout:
12:10
